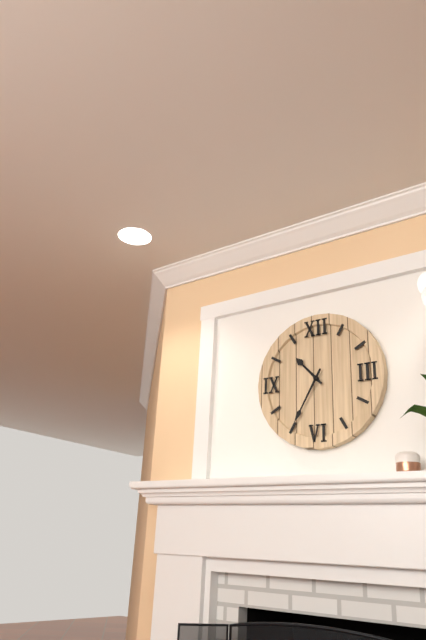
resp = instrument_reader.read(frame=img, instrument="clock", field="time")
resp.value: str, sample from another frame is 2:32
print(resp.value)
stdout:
10:35
